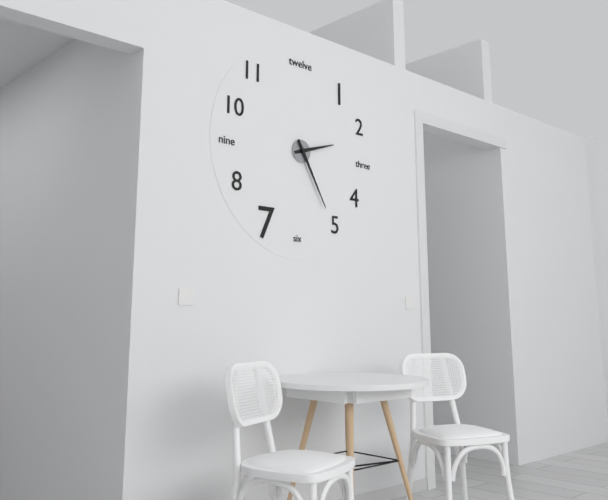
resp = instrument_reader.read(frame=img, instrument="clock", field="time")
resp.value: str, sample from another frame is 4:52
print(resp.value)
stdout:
2:25
